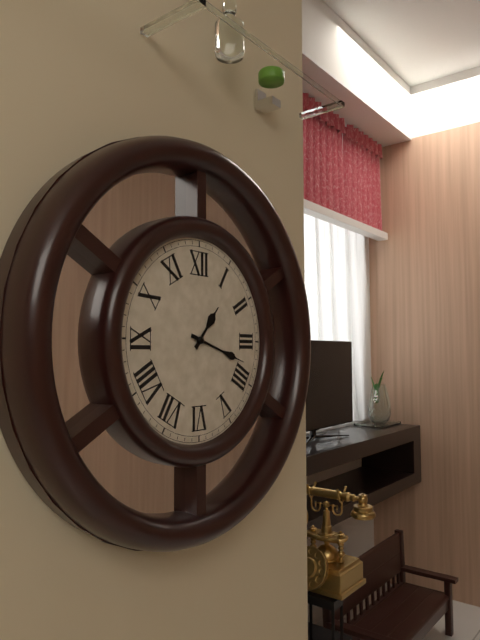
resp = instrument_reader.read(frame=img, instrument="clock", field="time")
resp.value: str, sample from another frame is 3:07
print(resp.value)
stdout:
1:18
